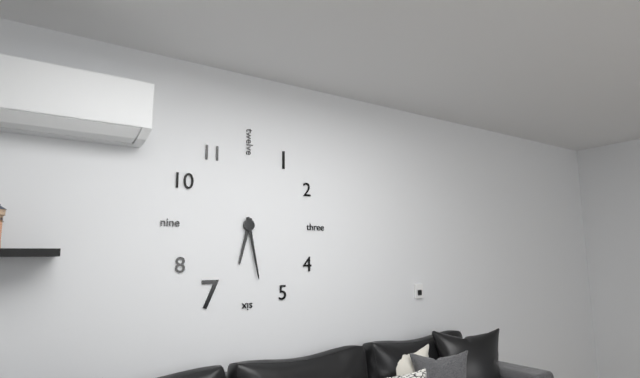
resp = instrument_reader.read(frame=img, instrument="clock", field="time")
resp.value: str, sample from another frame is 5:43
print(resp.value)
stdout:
6:28
